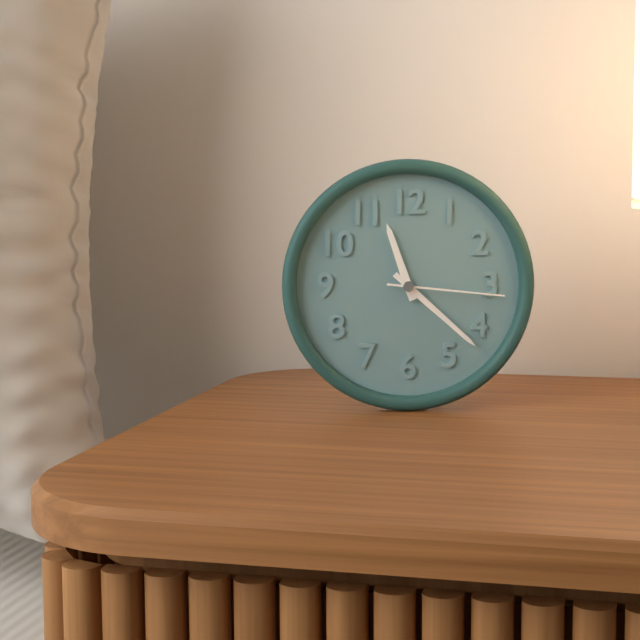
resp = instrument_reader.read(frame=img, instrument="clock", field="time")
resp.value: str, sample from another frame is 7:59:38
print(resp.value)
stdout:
11:22:16
